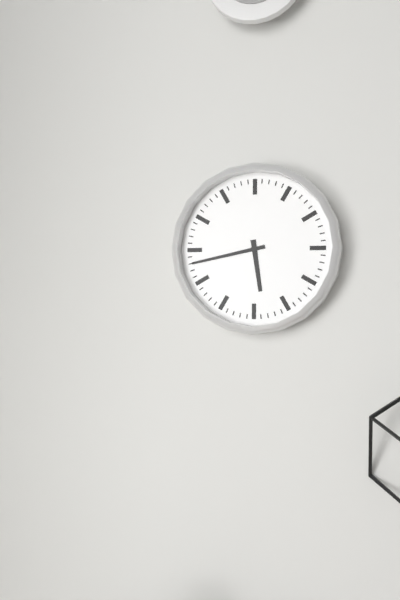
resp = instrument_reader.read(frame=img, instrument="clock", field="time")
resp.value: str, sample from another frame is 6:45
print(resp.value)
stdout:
5:43
